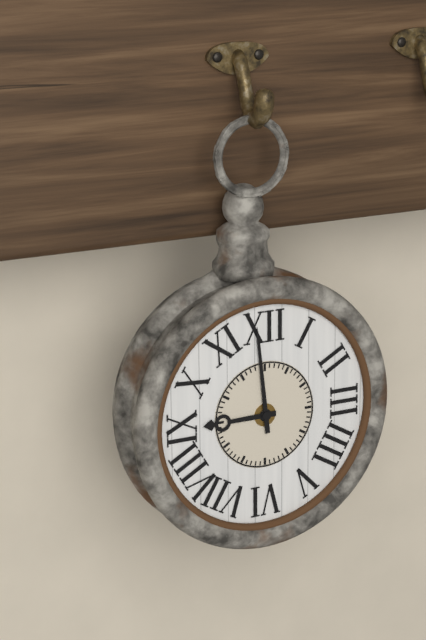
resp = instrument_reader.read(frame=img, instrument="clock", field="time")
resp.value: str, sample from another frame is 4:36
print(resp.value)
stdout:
8:59
